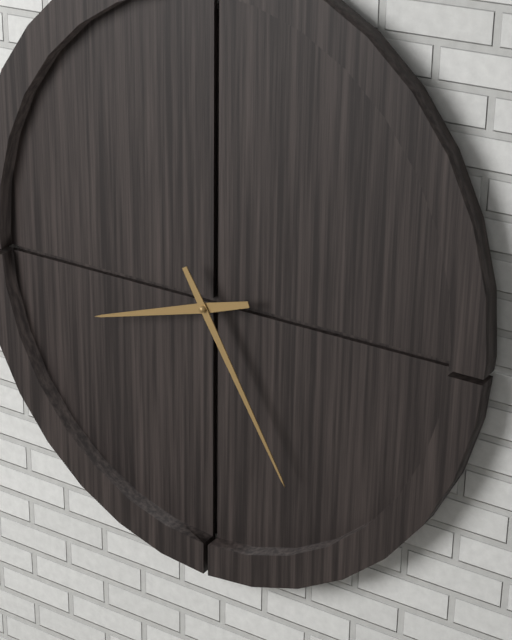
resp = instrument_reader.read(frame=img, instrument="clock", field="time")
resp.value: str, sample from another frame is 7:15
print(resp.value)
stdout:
8:25
